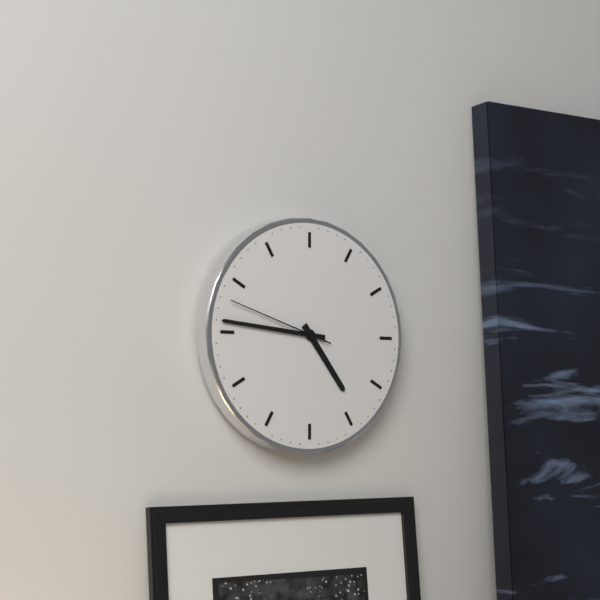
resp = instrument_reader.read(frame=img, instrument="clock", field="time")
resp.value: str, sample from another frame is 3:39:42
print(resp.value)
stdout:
4:46:48
